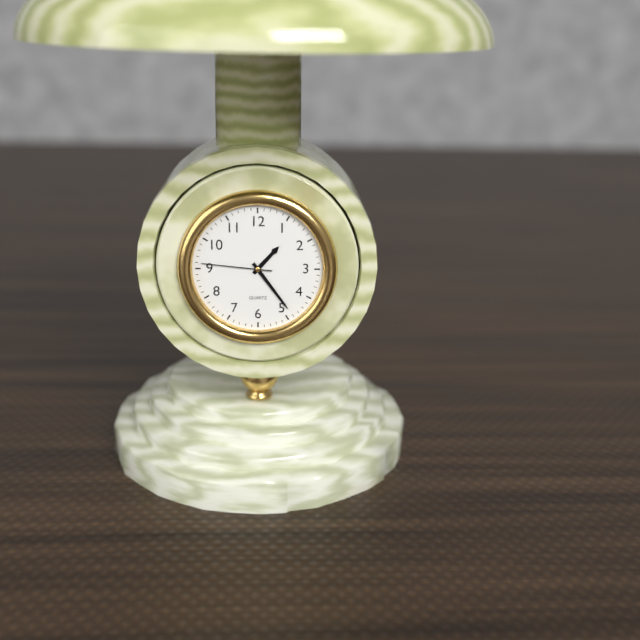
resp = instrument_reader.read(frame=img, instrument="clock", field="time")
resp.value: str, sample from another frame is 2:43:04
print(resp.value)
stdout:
1:24:46
